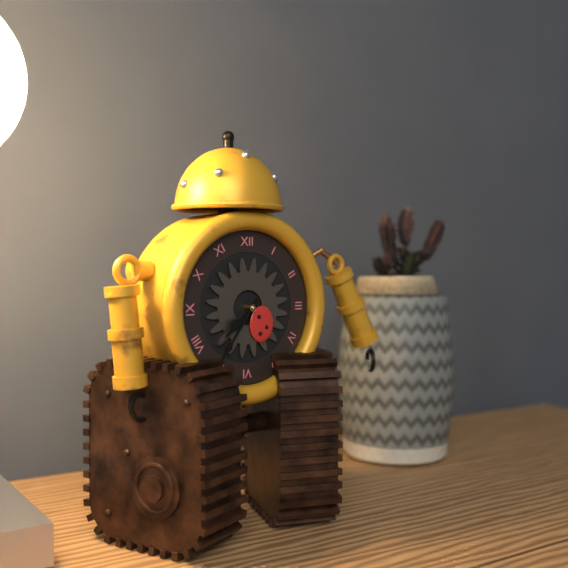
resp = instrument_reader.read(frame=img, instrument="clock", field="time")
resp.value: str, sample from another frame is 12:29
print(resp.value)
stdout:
7:36
